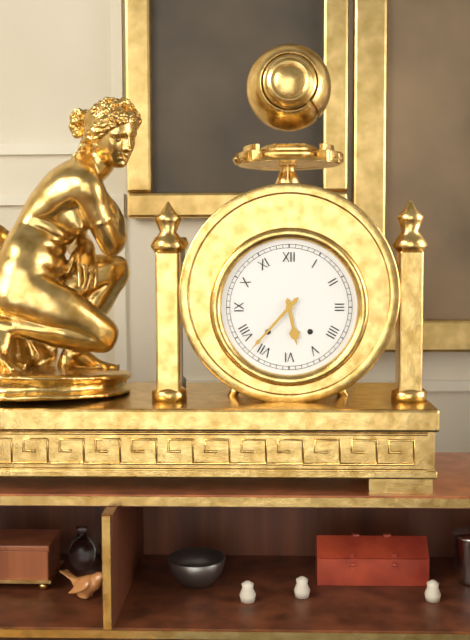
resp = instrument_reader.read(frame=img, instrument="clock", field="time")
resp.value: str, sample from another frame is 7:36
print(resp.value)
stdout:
5:37
